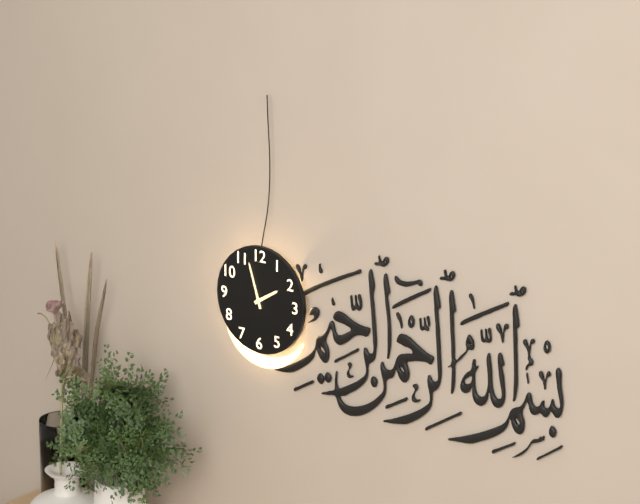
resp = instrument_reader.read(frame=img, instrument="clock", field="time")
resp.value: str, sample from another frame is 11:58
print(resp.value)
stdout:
1:57
